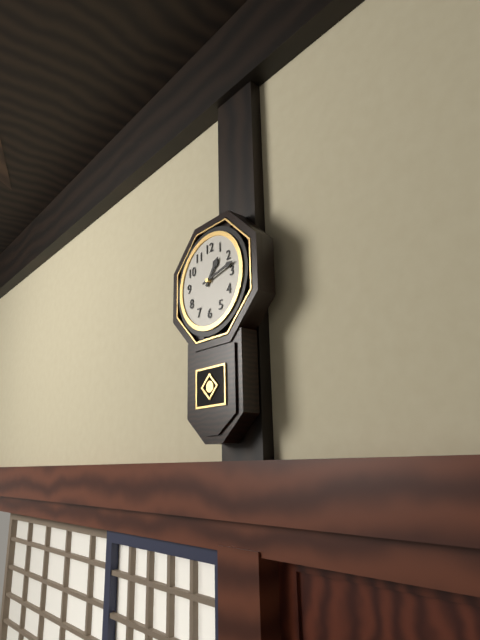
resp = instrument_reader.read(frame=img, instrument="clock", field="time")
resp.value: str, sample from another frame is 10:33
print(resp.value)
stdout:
1:13
